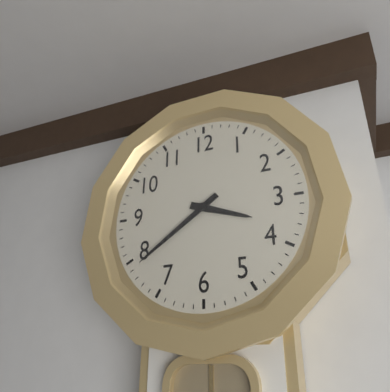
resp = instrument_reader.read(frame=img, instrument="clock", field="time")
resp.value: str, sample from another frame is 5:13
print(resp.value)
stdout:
3:39
